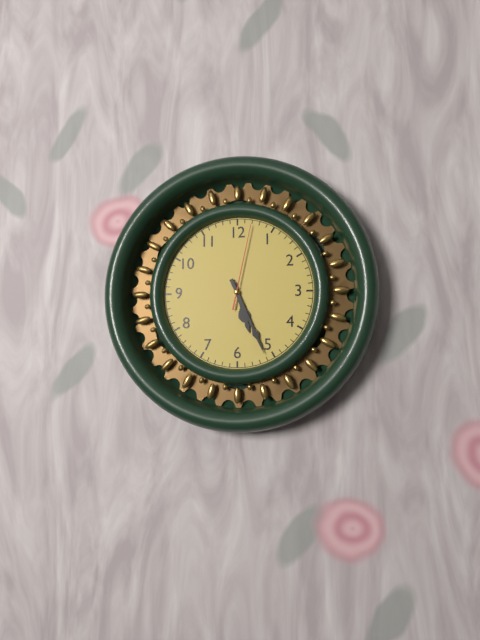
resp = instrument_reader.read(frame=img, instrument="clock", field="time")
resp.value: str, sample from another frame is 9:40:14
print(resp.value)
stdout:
5:26:02
